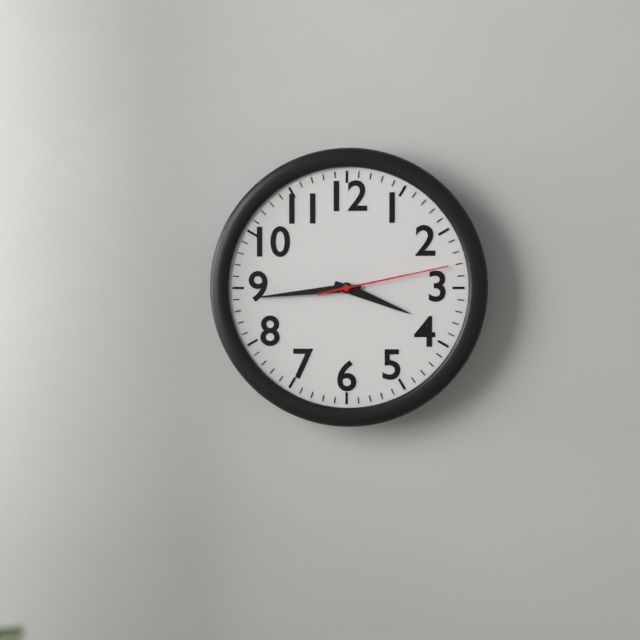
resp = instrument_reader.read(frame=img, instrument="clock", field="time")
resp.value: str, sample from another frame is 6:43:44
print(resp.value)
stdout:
3:44:13
